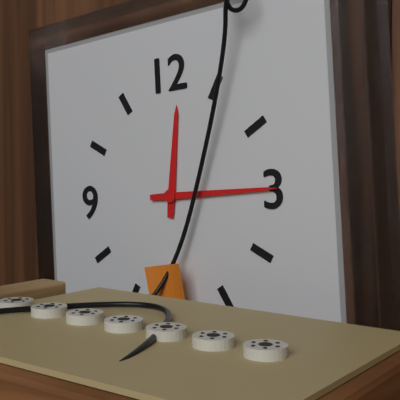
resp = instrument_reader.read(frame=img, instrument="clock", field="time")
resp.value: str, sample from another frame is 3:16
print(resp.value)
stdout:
12:15
